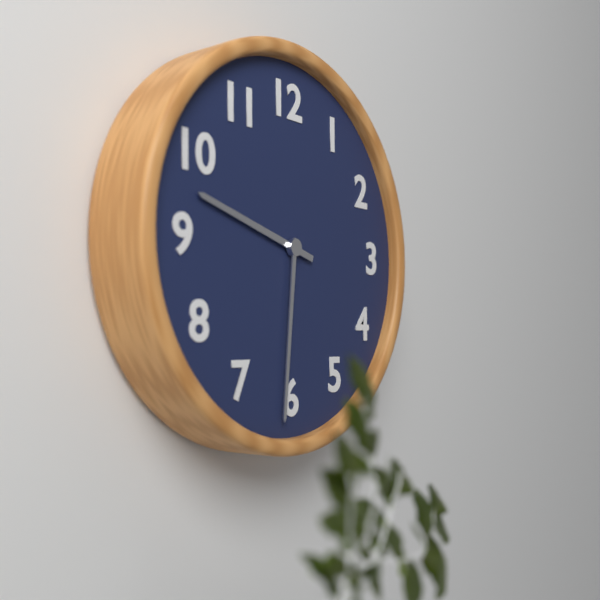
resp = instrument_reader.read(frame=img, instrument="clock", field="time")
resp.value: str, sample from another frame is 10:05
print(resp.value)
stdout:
9:31
